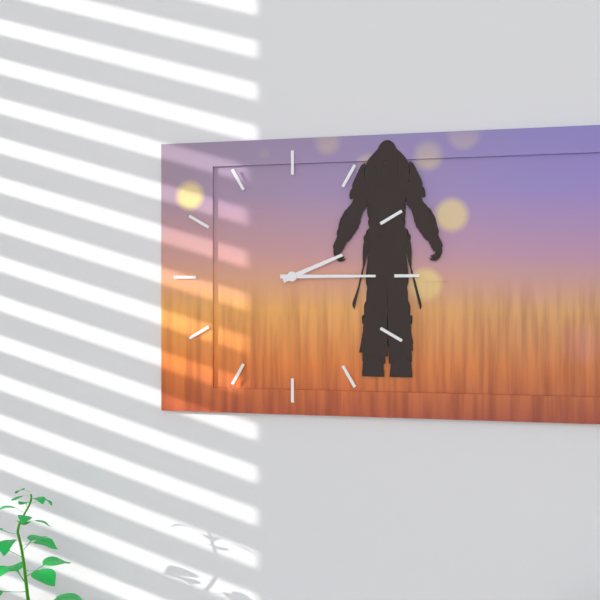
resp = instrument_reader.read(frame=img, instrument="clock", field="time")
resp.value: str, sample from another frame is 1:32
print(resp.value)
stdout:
2:15
